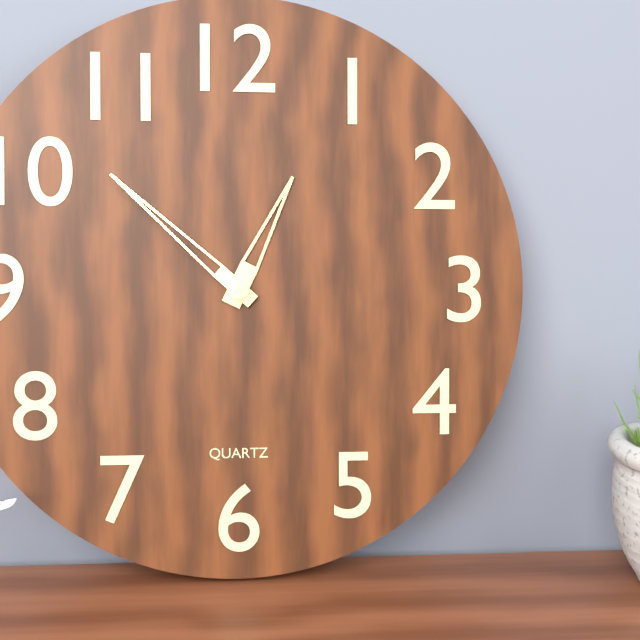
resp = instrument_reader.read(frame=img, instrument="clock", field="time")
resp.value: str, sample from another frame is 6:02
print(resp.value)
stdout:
12:52
